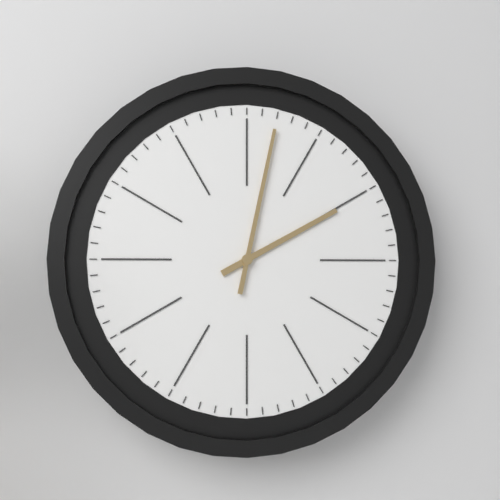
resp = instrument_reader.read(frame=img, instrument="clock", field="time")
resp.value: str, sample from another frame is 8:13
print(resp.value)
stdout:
2:02
